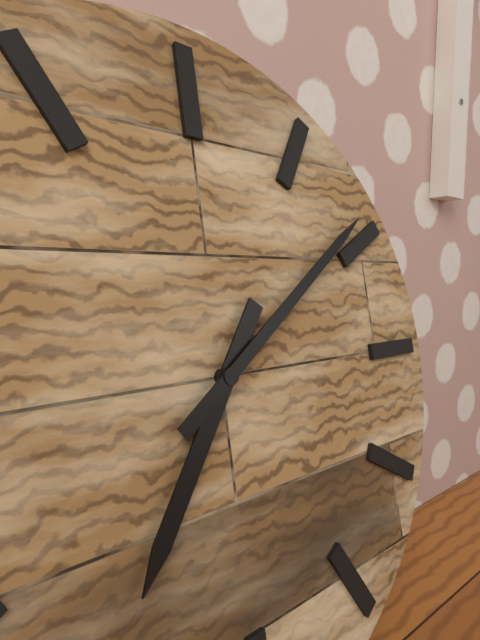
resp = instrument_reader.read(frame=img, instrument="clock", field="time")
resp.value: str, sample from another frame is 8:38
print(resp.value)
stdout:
7:09
